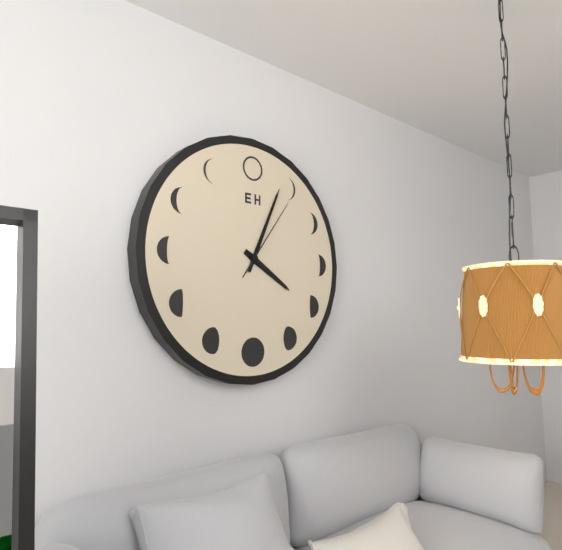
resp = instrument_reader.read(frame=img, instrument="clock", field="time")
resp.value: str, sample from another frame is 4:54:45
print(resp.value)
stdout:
4:04:06
